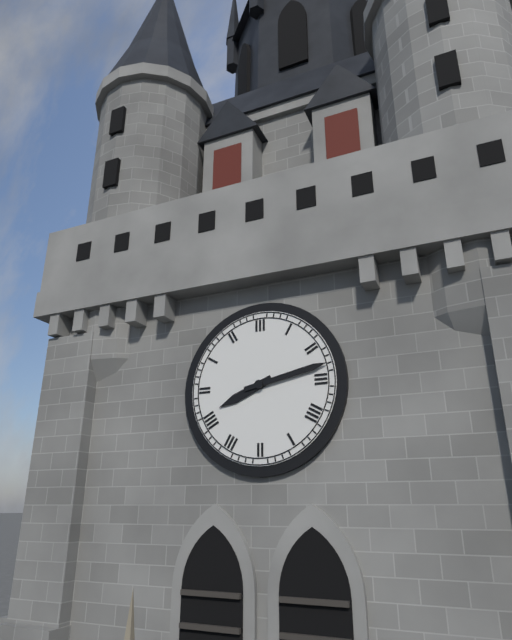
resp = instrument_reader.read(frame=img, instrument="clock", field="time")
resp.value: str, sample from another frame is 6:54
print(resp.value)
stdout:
8:13
